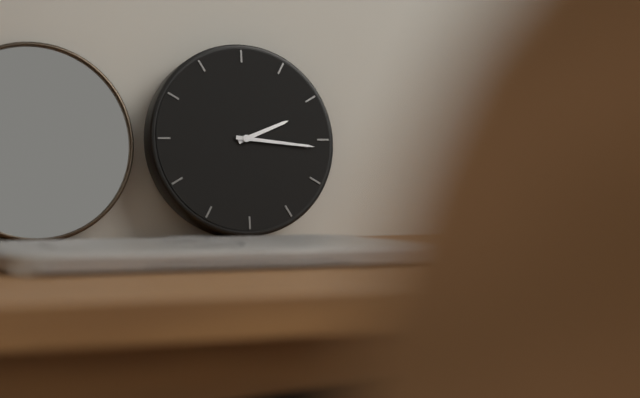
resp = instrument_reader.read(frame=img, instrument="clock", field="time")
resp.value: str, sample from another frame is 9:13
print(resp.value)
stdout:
2:16
